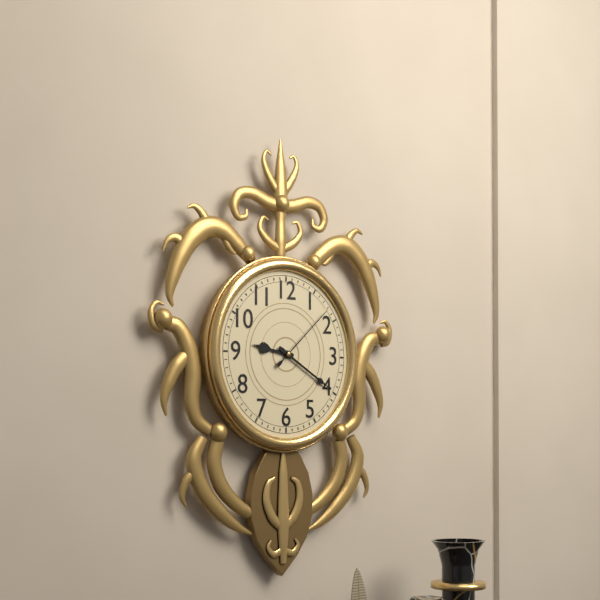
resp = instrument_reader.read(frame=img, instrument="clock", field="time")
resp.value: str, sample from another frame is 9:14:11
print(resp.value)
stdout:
9:20:08
